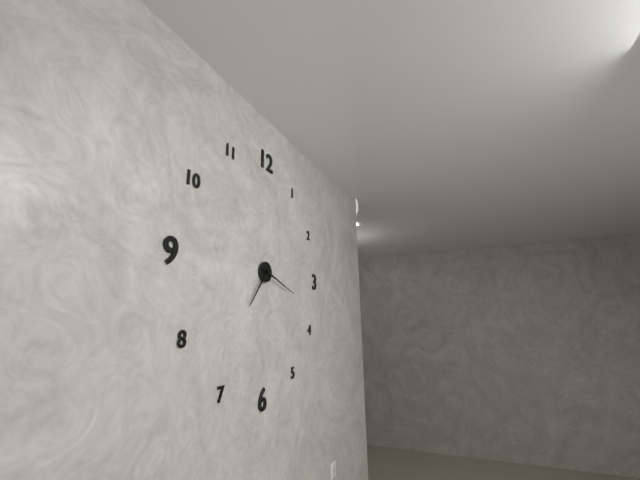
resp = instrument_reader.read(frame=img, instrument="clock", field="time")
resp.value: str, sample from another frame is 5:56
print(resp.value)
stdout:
7:18
